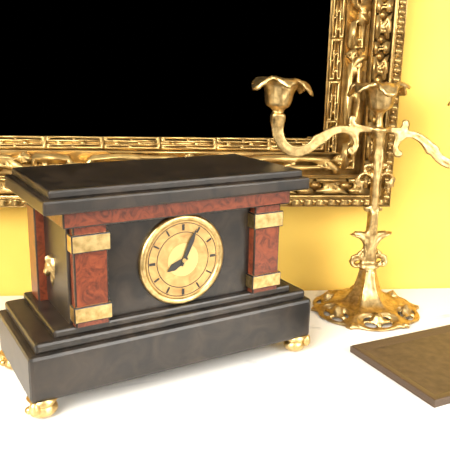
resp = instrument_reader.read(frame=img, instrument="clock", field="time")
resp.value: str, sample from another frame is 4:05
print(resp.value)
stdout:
8:04
